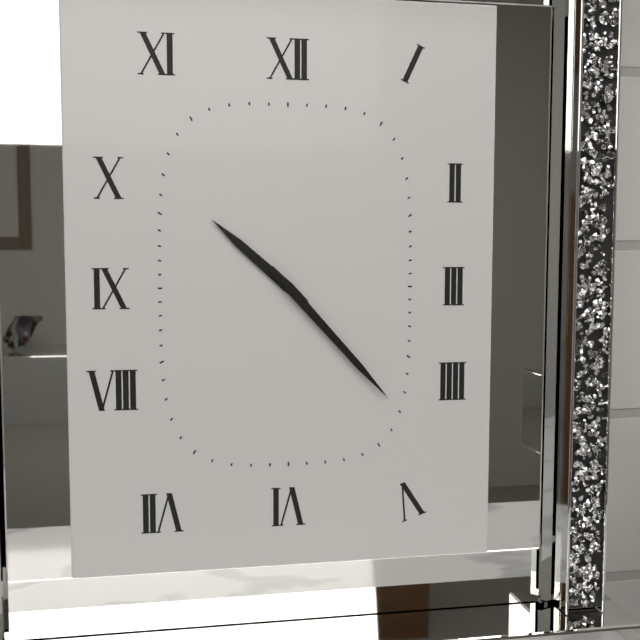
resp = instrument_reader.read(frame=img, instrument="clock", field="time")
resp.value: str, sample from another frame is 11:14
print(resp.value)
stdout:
10:23
